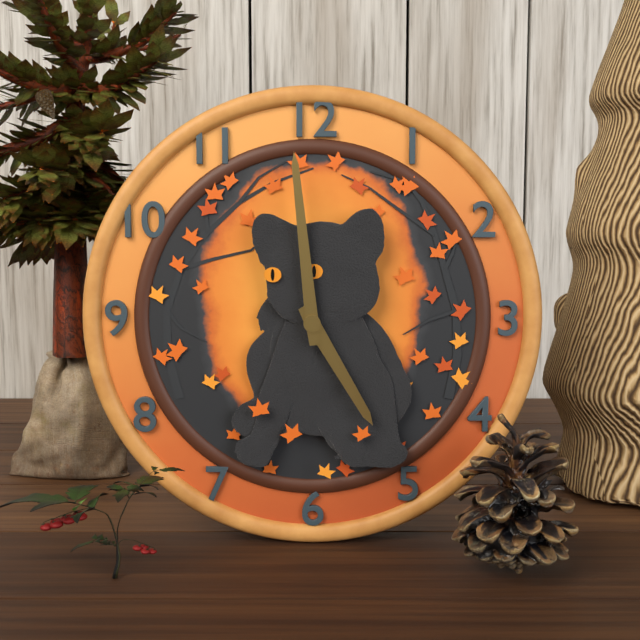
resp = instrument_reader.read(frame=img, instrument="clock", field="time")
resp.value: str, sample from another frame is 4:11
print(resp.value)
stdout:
4:59
